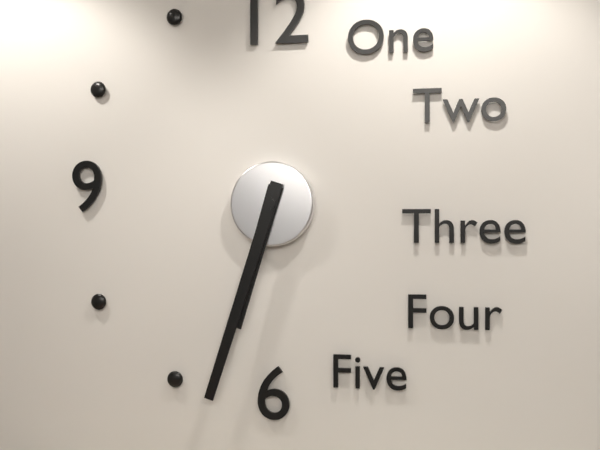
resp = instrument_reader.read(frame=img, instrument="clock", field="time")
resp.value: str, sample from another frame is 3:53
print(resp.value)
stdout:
6:33
